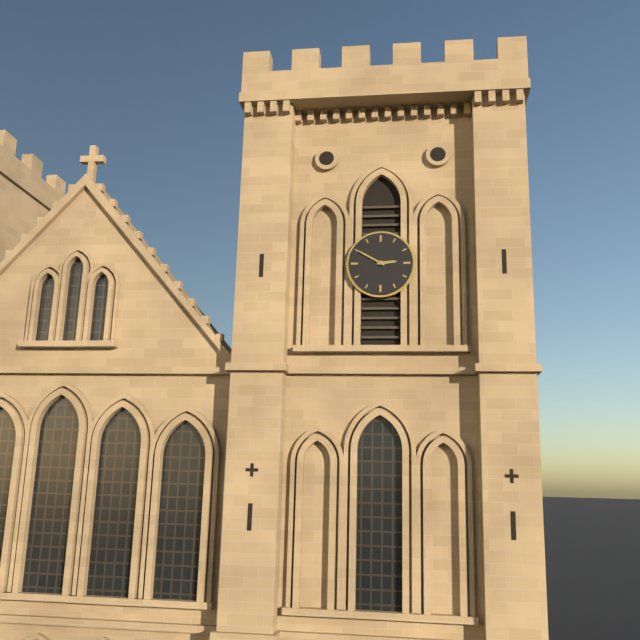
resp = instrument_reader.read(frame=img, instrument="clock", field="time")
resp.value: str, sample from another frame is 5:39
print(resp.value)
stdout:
2:50
